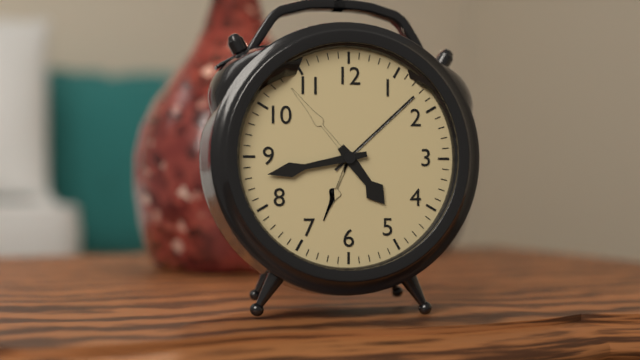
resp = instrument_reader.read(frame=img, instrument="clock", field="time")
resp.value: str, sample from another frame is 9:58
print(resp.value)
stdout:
4:43
